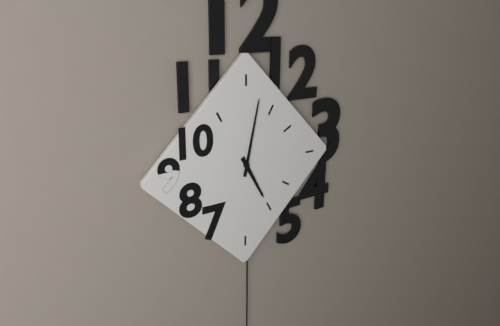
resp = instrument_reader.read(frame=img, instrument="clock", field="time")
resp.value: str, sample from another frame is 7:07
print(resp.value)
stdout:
5:02
